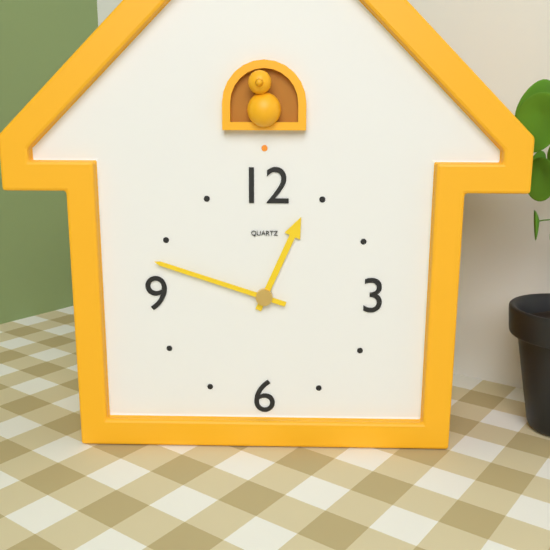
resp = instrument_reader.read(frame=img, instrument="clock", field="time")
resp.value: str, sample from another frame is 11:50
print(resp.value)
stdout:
12:48
